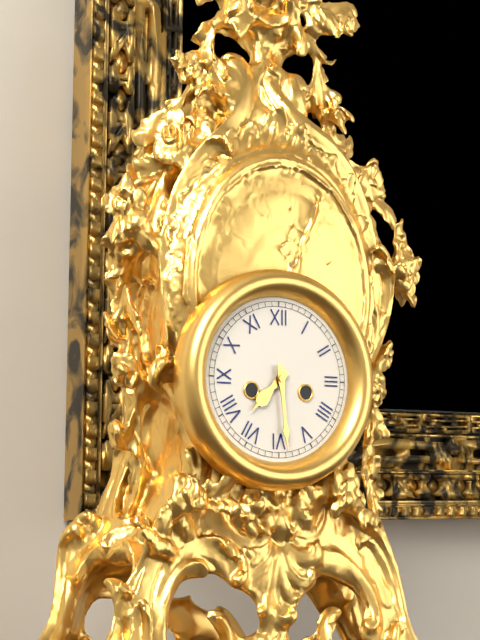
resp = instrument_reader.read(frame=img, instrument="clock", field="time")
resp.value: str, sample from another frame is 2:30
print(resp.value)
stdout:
7:29
